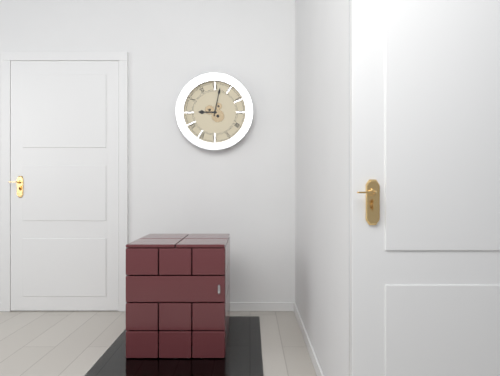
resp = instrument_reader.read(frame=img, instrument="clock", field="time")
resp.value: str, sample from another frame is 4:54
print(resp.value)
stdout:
9:02
